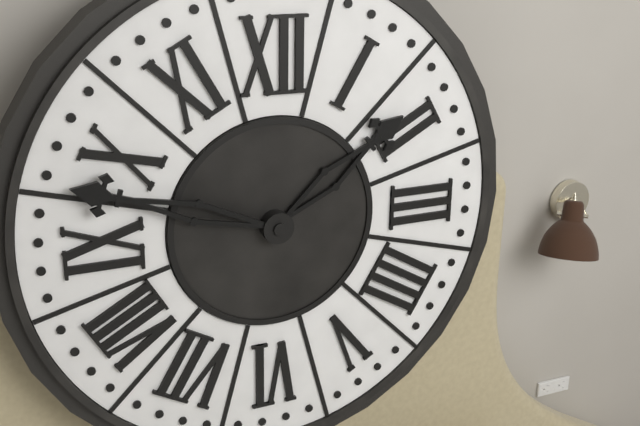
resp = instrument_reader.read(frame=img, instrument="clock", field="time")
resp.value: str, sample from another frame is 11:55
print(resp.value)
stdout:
1:48
